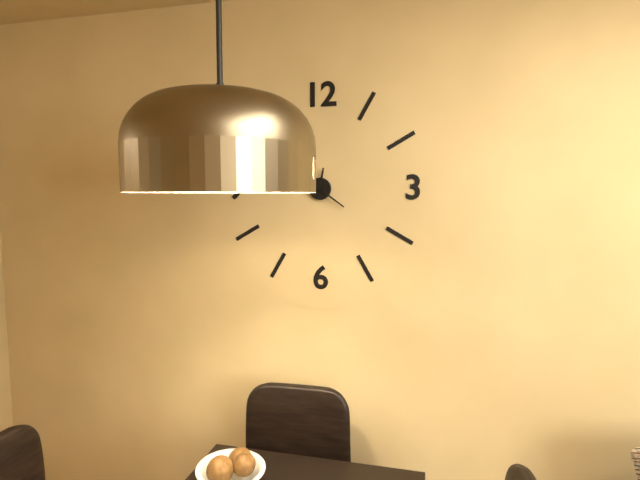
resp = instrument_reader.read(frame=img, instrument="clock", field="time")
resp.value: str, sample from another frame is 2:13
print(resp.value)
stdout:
12:21
